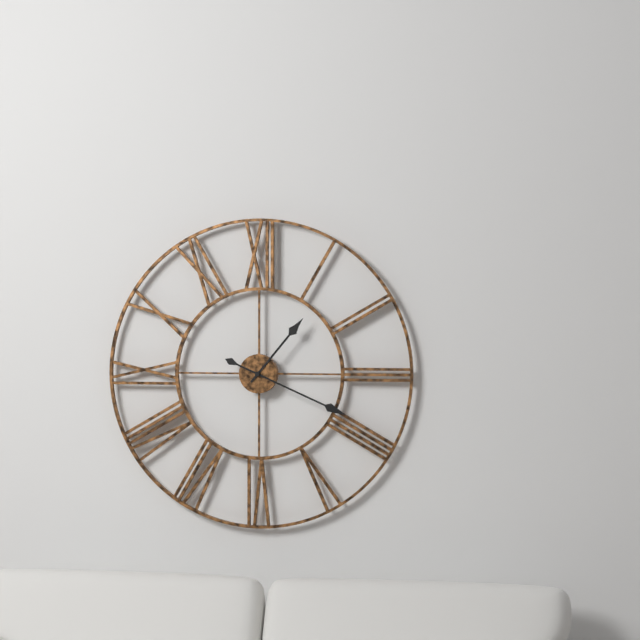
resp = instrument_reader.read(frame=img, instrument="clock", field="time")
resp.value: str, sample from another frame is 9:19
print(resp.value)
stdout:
1:19
